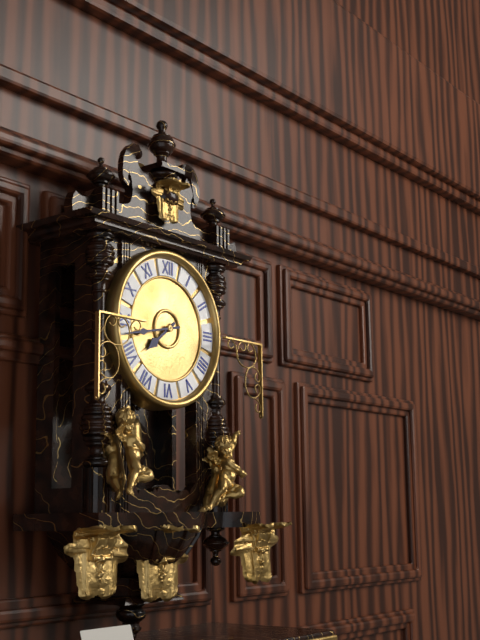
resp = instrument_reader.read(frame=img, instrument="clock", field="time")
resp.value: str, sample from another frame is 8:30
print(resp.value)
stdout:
7:43
